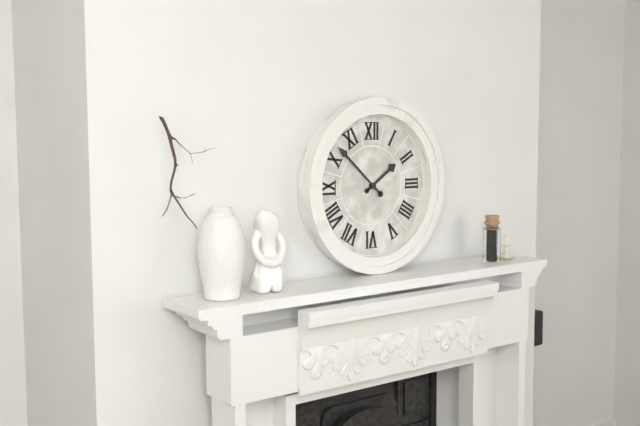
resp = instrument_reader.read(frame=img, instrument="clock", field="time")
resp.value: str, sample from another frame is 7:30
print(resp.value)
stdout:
1:52
